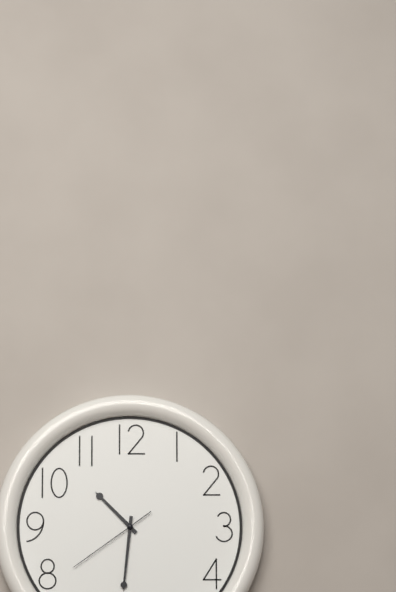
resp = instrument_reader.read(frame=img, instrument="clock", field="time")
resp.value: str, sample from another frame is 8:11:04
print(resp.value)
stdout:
10:31:39
